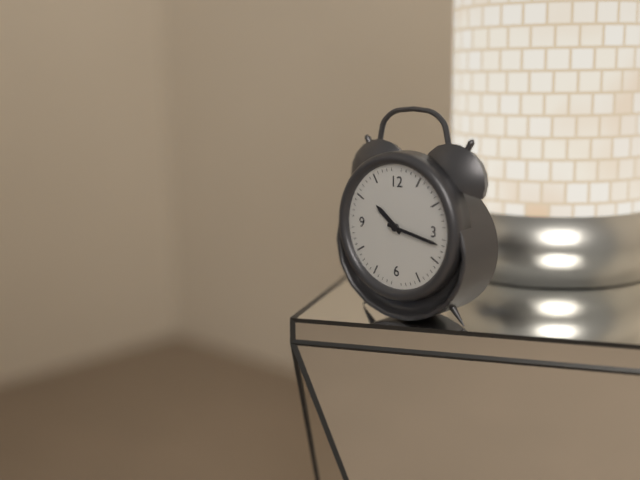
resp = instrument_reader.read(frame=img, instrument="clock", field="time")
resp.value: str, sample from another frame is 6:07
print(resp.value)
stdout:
10:17
